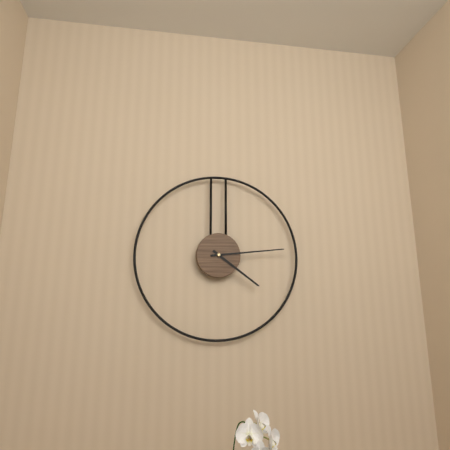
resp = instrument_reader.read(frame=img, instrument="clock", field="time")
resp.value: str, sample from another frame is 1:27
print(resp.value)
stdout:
4:14
